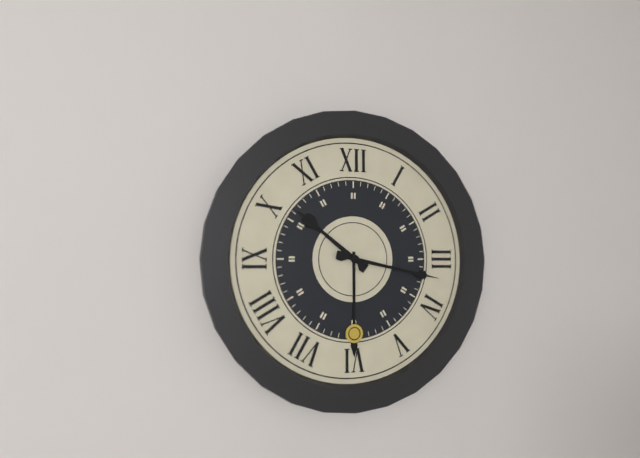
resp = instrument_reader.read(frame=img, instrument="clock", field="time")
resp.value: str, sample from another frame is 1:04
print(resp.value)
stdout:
10:17
